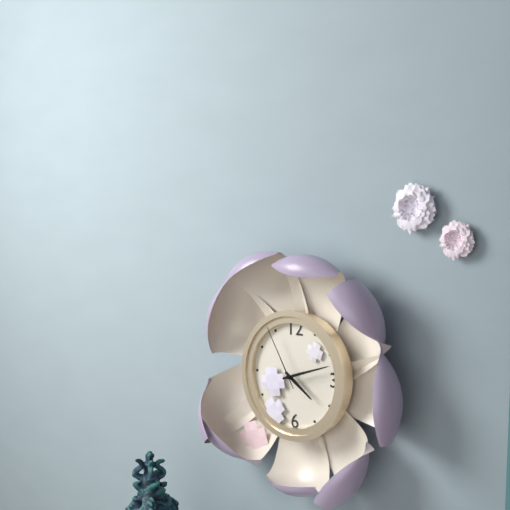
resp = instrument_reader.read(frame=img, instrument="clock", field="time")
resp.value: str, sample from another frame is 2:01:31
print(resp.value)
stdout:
4:12:55
